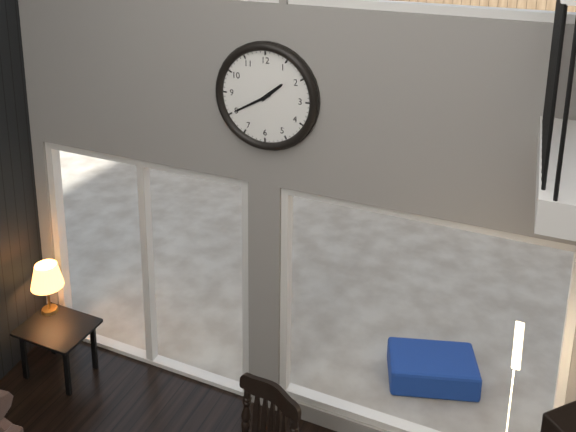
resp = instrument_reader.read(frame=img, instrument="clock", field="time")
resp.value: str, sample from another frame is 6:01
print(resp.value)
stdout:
1:40
